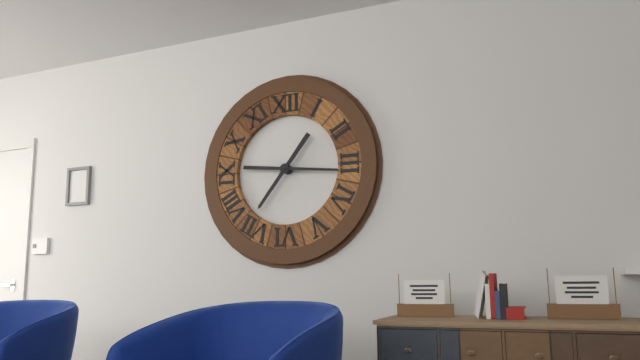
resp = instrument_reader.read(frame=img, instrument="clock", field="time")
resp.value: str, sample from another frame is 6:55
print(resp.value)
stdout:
7:16
